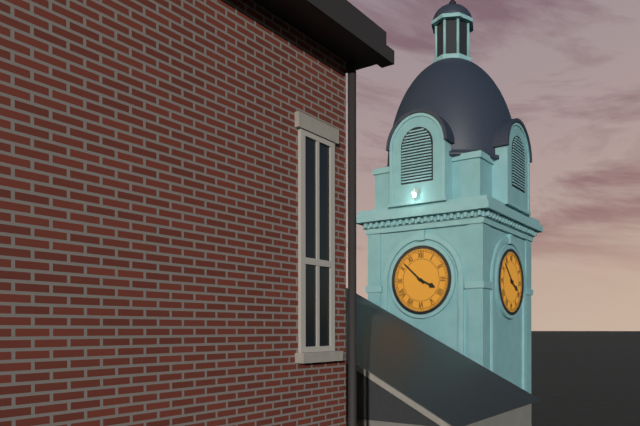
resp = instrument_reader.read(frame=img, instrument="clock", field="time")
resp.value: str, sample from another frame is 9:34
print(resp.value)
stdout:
3:52
